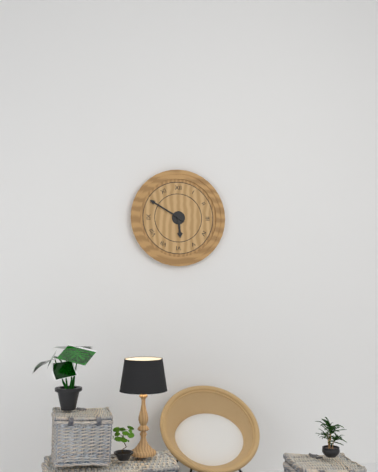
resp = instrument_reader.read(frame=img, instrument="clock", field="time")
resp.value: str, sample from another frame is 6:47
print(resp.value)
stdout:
5:50
